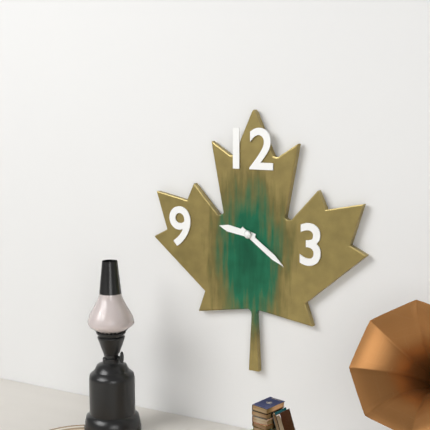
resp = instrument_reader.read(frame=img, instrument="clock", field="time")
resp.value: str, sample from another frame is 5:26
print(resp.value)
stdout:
9:21
